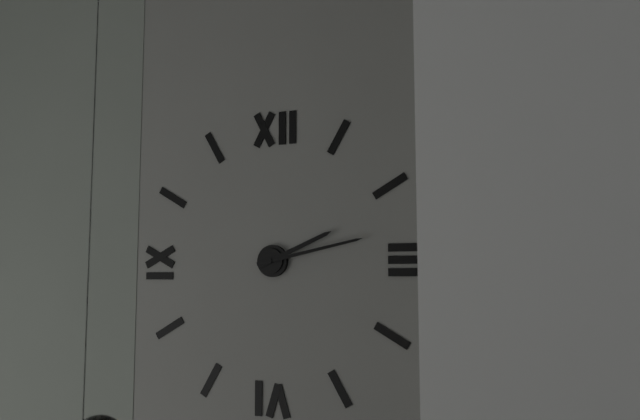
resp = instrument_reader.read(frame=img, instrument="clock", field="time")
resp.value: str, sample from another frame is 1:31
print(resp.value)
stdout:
2:13
